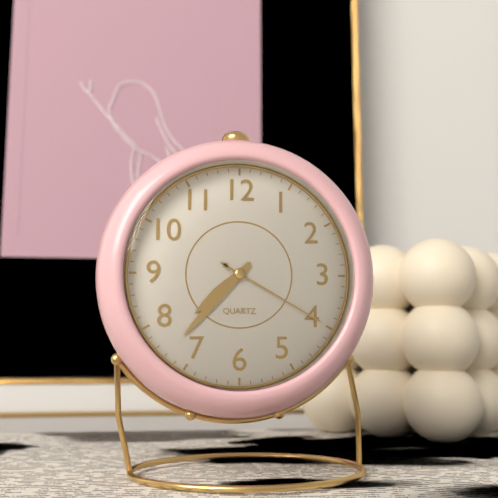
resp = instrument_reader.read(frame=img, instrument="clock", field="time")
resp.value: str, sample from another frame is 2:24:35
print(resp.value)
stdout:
7:37:20
